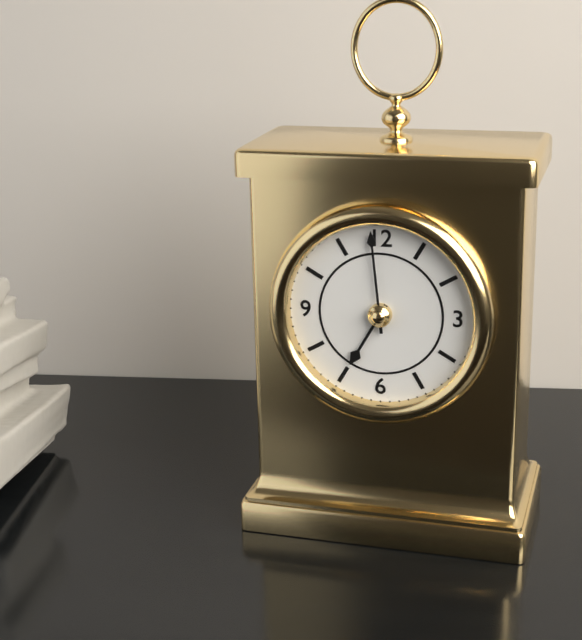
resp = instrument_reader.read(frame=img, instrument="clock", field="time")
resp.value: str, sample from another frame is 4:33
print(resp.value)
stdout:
6:59
